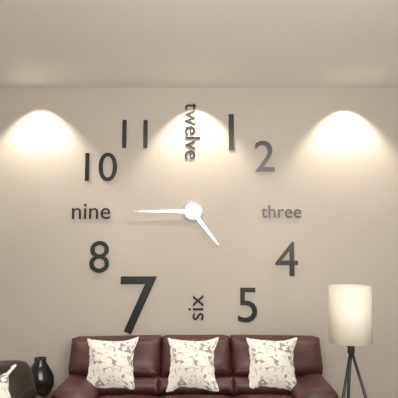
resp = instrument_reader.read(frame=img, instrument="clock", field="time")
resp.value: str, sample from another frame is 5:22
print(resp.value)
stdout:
4:45
